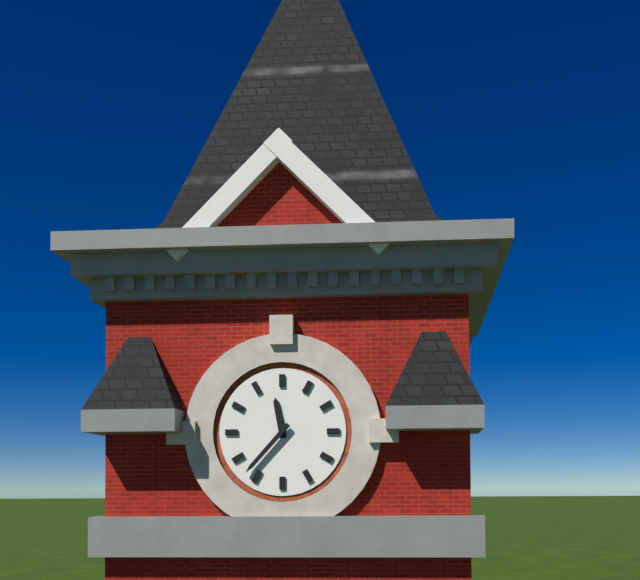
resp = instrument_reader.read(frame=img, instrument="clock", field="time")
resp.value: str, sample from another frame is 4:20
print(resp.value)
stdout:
11:37
